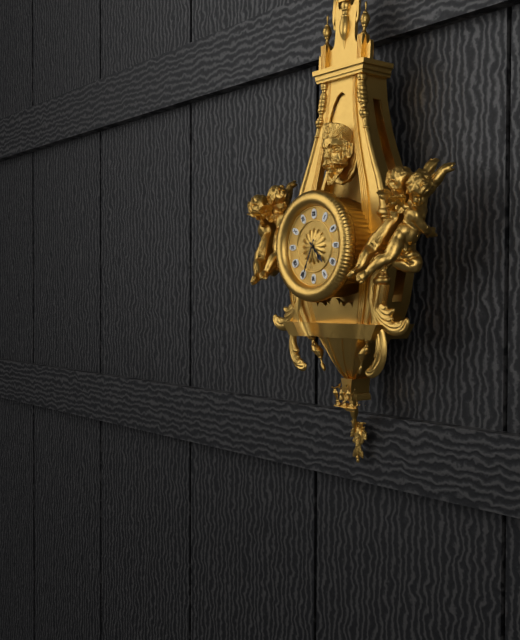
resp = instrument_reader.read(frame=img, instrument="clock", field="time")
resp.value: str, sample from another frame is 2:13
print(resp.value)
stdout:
4:34
